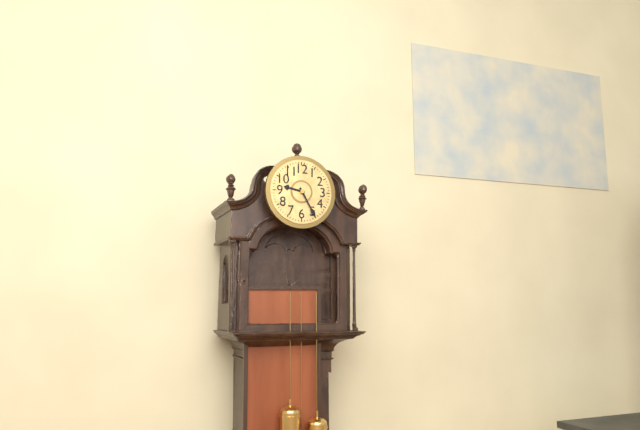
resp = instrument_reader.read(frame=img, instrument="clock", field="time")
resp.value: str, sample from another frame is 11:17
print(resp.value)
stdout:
9:25
